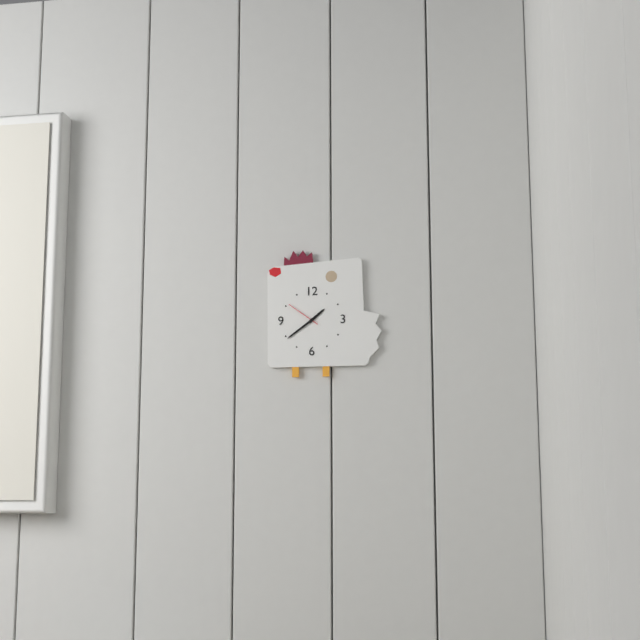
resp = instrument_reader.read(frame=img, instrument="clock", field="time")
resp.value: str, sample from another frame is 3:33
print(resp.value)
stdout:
1:39
